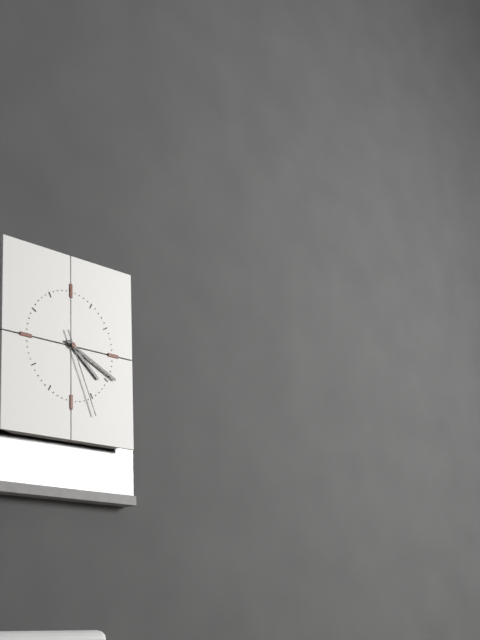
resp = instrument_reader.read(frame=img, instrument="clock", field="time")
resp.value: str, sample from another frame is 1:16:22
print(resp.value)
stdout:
4:19:26
